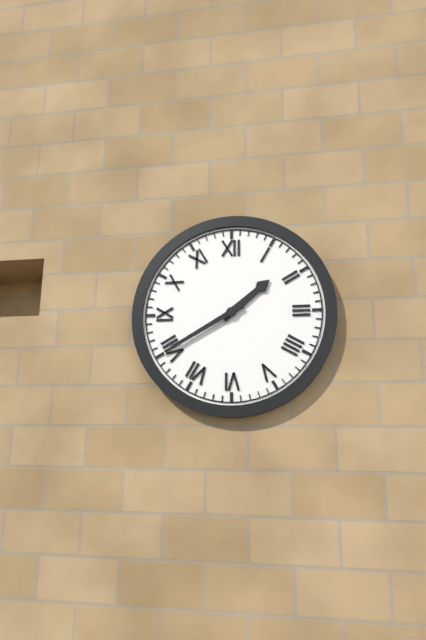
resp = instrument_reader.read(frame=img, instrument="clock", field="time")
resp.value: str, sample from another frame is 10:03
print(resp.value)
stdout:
1:40
